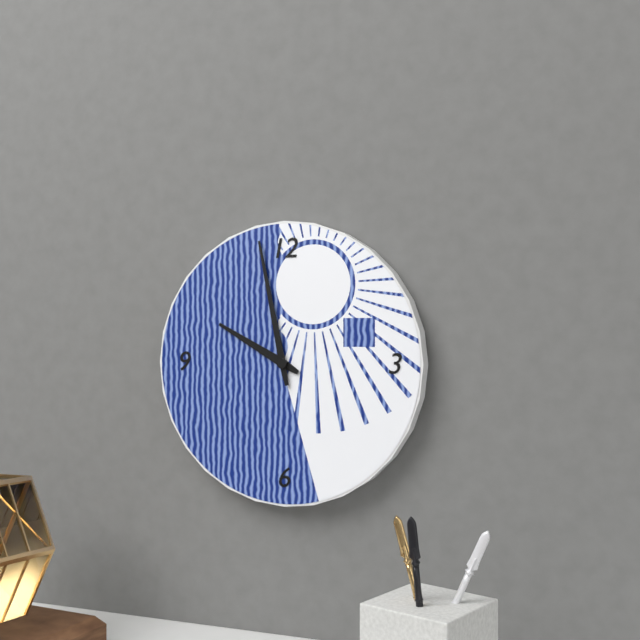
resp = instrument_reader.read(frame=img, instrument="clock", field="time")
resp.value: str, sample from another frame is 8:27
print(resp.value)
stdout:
9:58
